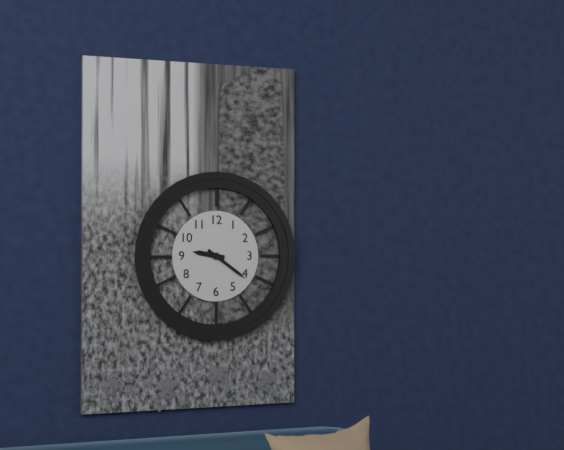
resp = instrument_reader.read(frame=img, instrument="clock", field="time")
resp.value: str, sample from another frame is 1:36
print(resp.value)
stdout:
9:21
